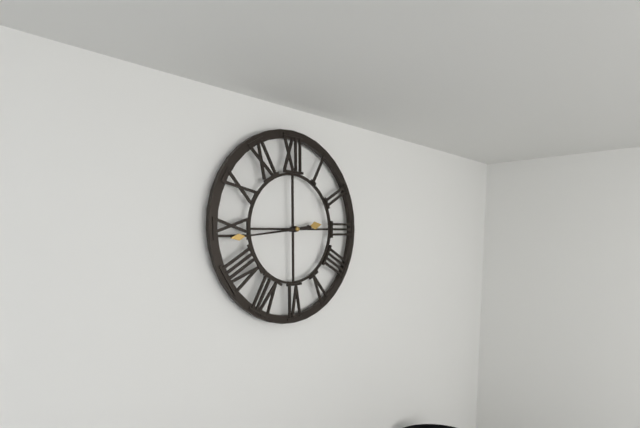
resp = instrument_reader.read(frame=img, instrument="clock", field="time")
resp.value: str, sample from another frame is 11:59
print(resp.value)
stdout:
2:44
